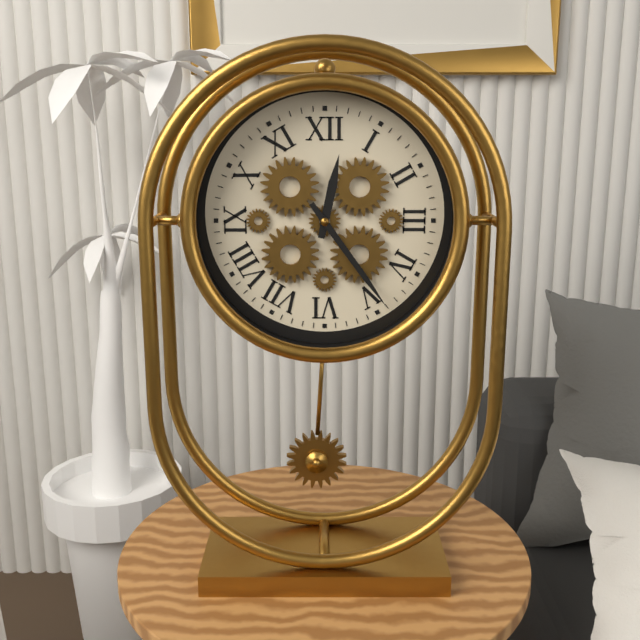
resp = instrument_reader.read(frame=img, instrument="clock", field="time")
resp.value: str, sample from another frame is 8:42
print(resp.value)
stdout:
12:24
